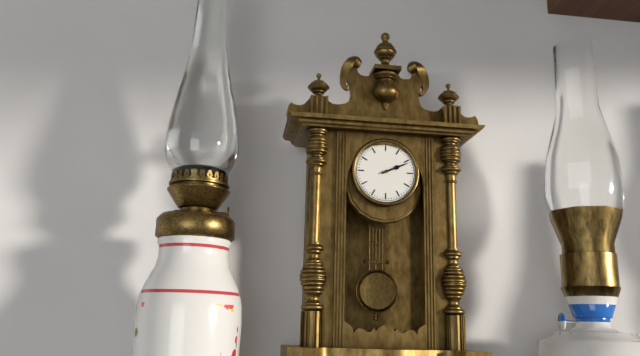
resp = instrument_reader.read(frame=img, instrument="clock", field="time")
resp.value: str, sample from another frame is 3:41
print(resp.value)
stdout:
2:11
